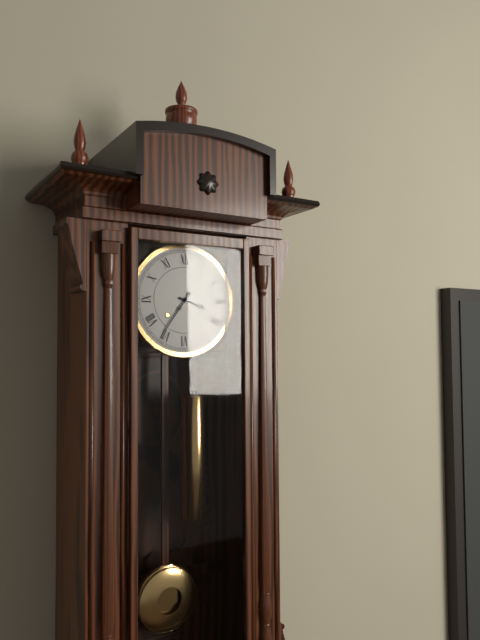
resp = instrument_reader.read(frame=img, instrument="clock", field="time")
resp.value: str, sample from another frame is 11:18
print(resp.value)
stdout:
3:36
